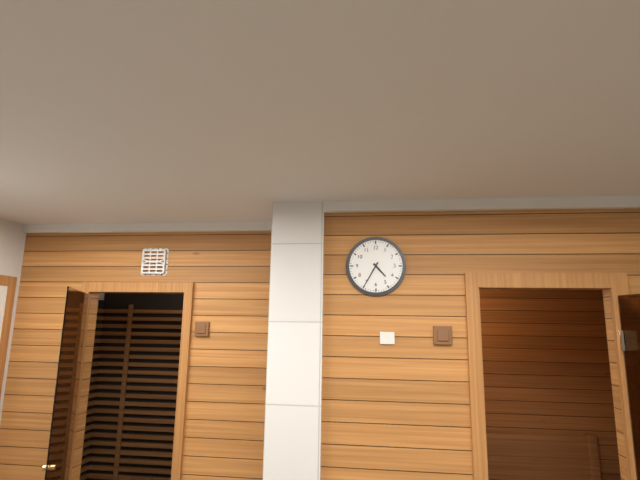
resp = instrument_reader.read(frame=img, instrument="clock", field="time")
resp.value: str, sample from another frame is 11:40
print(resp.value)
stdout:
4:35
